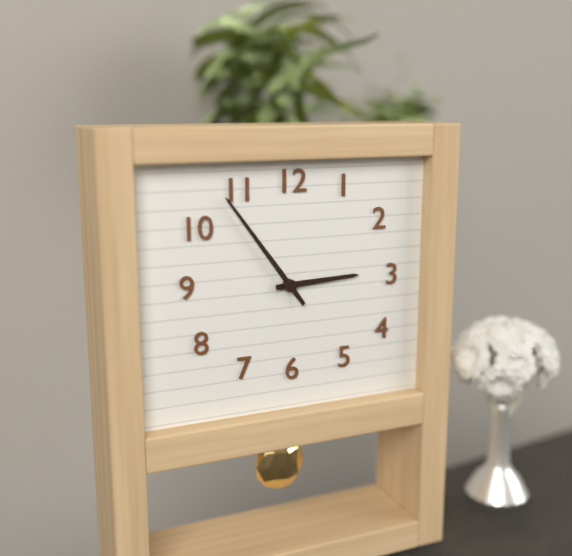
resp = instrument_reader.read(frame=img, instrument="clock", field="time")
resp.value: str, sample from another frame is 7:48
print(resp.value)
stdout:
2:54
